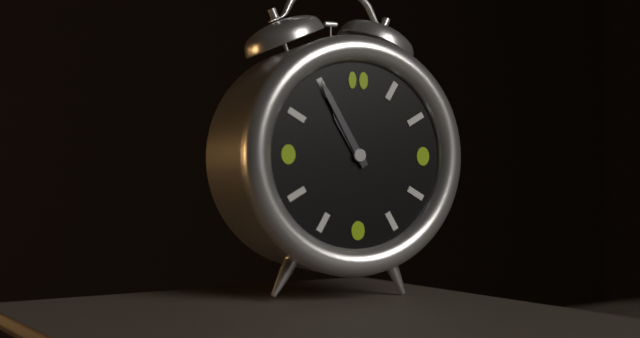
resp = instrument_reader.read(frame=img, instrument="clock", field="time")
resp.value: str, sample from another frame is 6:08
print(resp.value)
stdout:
10:55
